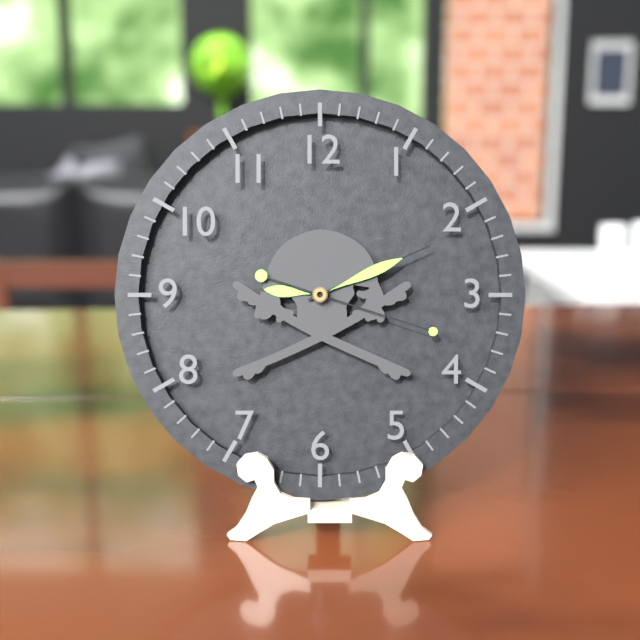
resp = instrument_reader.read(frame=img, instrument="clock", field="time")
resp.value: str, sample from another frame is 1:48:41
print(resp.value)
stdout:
9:11:18
